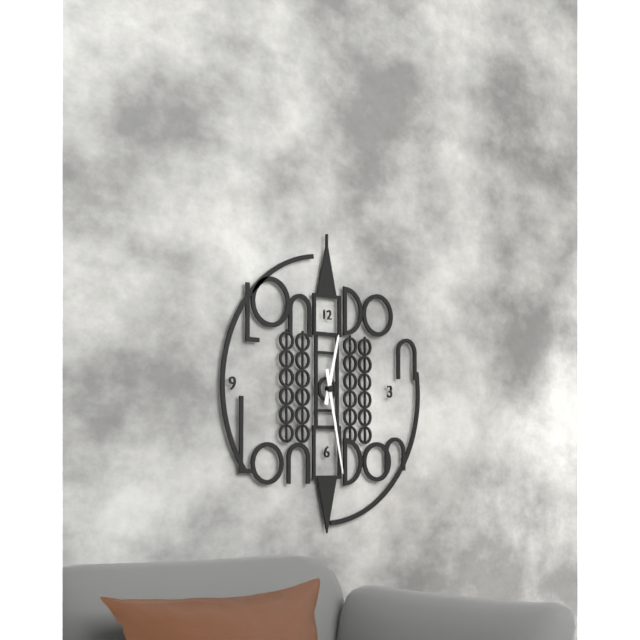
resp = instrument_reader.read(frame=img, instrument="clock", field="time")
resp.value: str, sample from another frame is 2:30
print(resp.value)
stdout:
12:28
